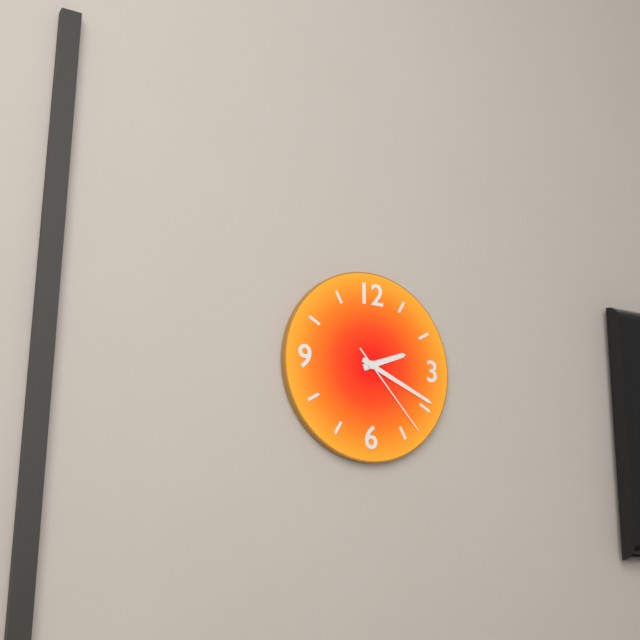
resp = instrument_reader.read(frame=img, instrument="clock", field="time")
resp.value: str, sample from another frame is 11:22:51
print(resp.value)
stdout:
2:19:23
